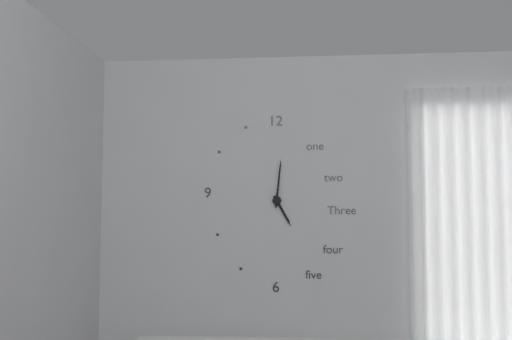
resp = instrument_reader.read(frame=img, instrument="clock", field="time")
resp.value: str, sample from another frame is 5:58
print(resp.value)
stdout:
5:01
